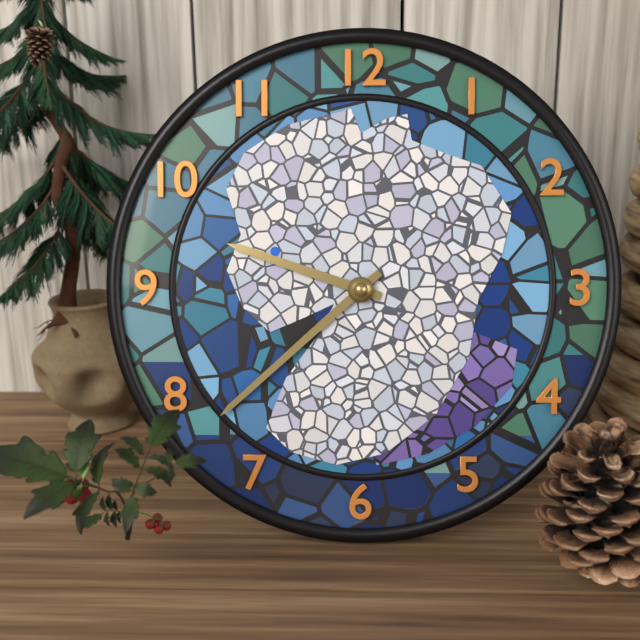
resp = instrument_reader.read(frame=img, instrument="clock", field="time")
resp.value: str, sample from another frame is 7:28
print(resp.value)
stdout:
9:38
